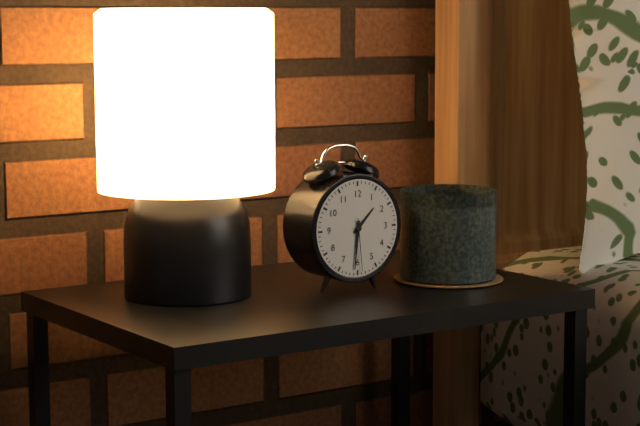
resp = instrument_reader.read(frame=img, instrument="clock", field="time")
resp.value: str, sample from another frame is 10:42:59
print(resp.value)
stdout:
1:31:29
